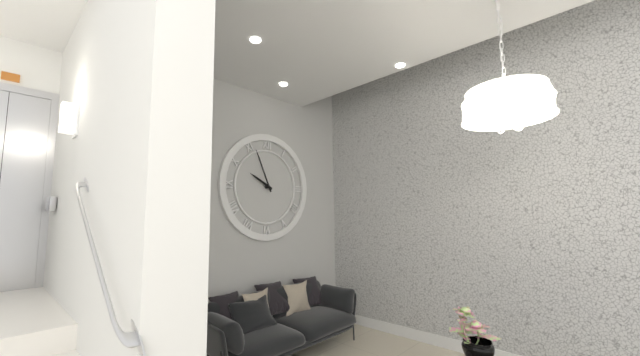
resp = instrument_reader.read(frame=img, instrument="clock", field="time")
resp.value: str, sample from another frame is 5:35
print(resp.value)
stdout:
9:56
